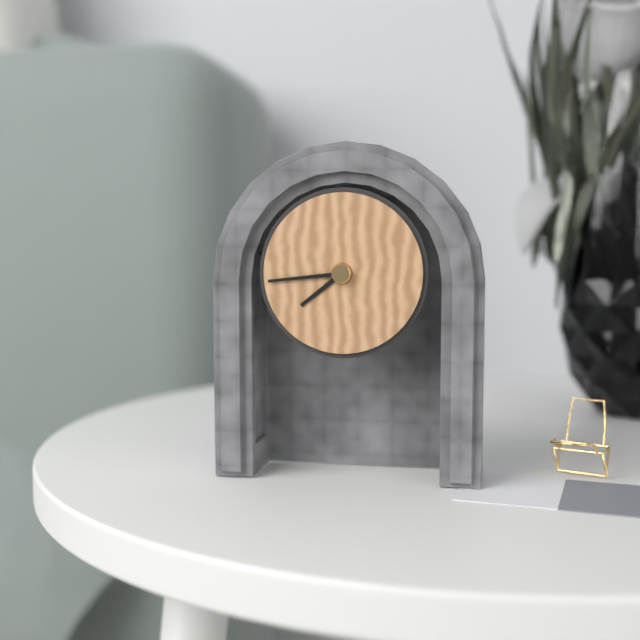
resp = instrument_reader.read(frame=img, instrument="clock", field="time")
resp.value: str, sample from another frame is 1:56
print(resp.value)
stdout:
7:44
